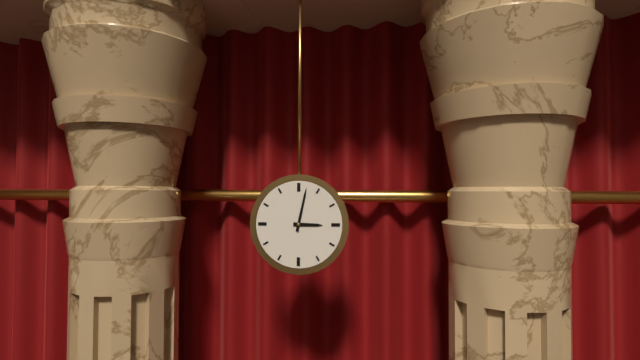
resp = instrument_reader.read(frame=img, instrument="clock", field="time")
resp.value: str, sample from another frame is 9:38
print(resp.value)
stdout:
3:02
